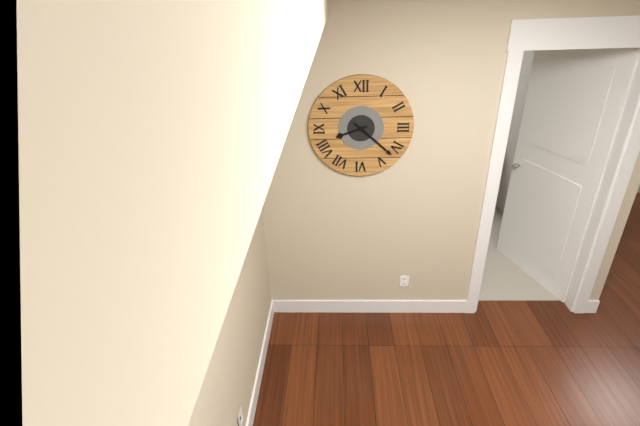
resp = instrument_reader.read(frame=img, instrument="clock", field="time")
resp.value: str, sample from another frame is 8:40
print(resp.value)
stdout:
8:22
